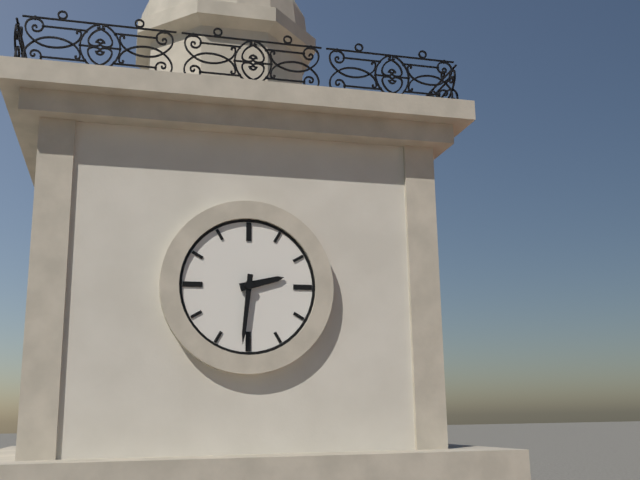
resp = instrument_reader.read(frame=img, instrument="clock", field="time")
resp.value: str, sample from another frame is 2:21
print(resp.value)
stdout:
2:31
